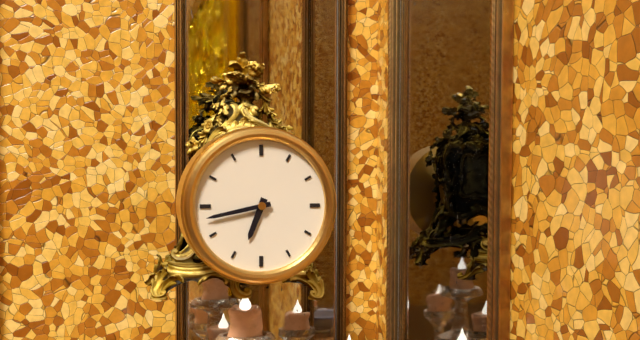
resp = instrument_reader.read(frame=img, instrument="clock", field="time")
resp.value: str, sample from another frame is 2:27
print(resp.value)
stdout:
6:43
